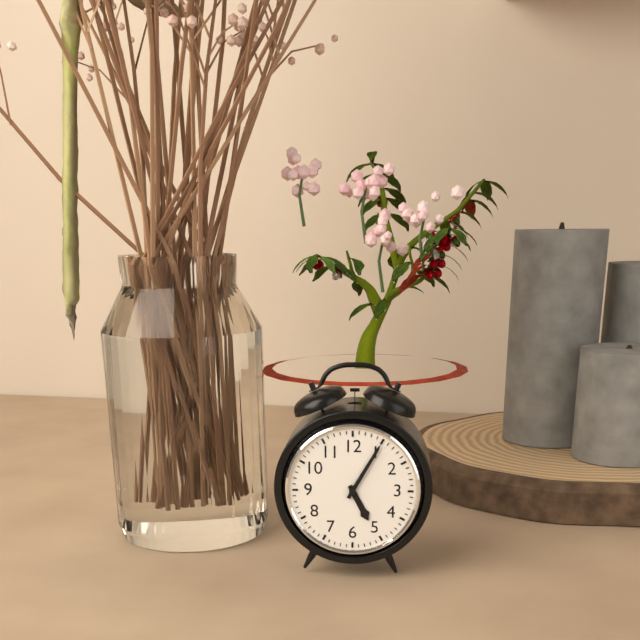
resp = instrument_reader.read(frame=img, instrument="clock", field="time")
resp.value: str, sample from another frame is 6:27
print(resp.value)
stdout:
5:05
